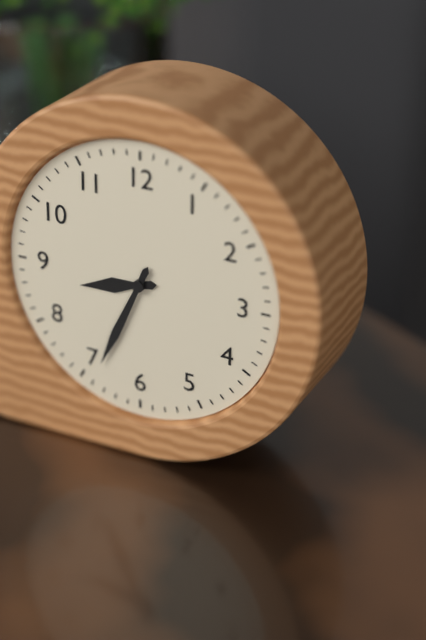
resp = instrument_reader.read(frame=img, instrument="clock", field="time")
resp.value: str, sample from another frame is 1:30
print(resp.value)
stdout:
8:34
